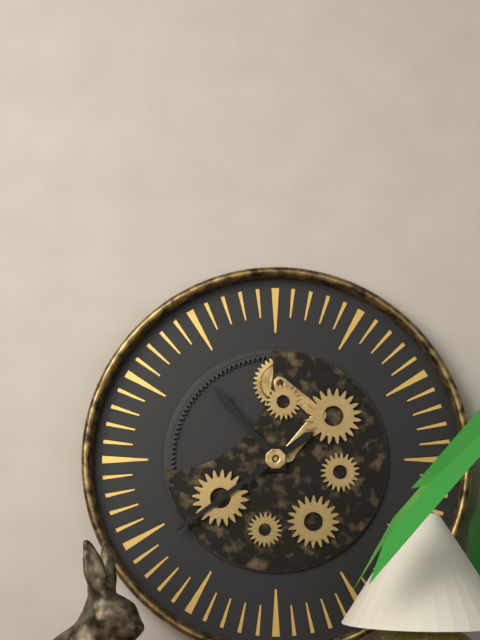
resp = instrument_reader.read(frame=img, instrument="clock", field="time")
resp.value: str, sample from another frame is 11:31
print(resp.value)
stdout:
10:39
